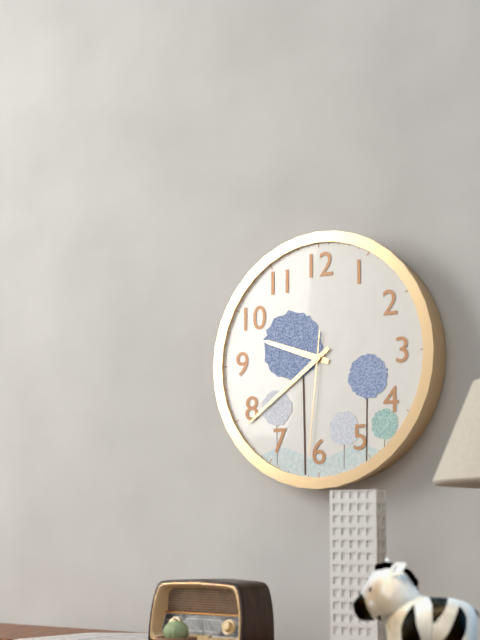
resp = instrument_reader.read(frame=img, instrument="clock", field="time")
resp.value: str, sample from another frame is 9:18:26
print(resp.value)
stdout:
9:39:31
